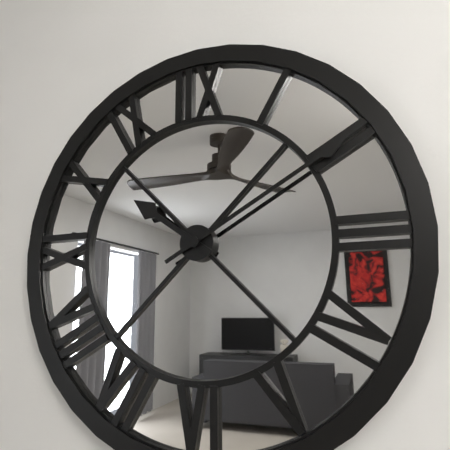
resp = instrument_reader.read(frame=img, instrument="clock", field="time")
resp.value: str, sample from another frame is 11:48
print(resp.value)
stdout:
10:10
